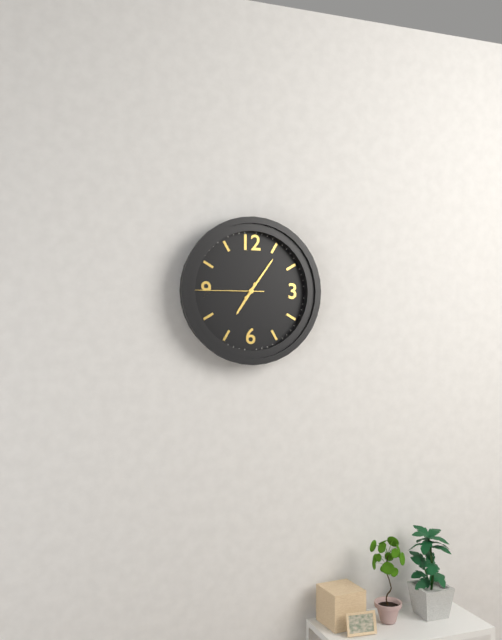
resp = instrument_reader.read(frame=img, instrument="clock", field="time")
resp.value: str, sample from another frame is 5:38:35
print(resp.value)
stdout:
7:06:45
